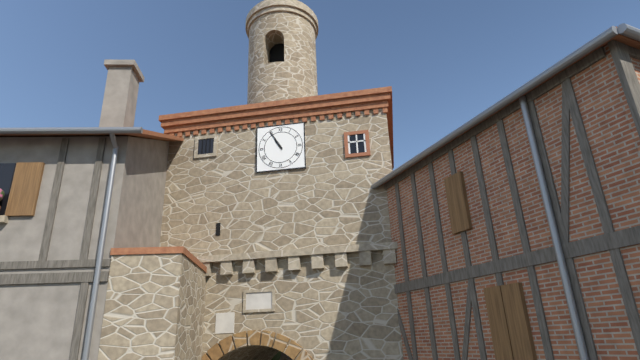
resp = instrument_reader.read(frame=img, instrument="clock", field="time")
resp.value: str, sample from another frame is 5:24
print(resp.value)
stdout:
10:55
